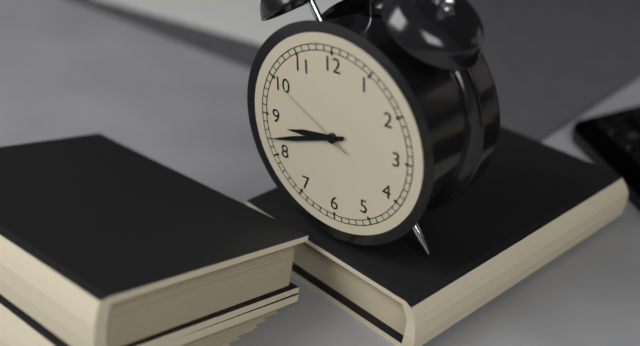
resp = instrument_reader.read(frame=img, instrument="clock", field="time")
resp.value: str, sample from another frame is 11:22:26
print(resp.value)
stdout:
8:42:50
